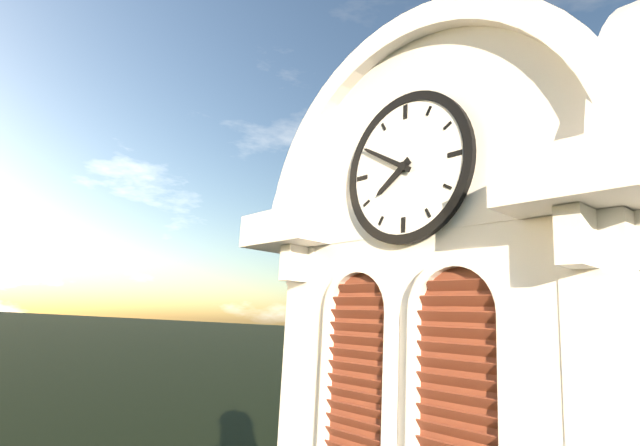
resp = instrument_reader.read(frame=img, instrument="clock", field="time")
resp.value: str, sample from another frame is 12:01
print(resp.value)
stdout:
7:50
